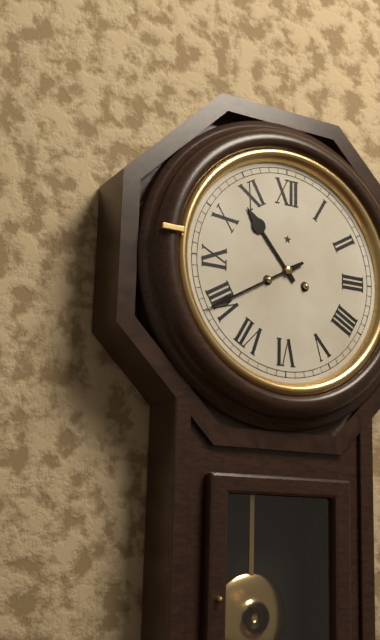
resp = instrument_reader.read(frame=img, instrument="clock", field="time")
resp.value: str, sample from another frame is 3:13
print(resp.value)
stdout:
10:40
